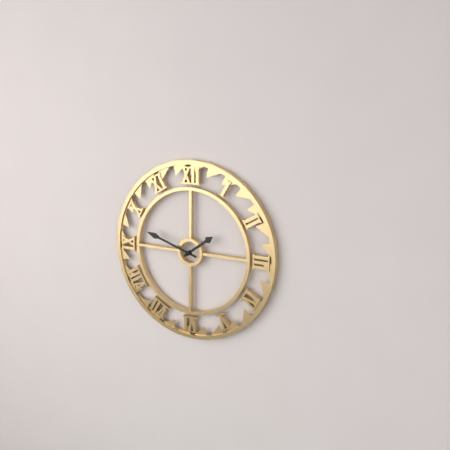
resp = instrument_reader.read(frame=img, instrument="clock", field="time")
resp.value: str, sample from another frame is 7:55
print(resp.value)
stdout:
1:48
